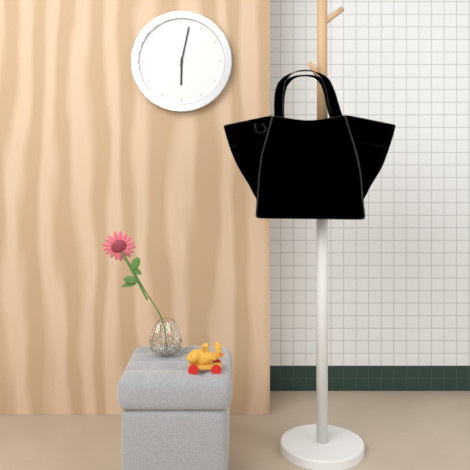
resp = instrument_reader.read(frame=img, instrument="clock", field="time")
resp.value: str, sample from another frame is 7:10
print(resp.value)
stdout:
6:02
